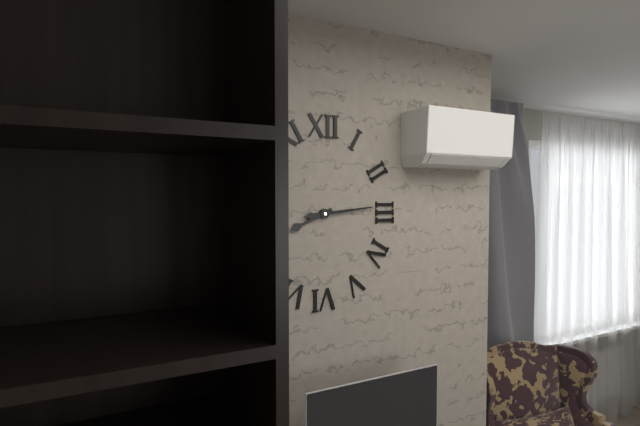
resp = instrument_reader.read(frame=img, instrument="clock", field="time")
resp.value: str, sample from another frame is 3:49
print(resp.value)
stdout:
8:14
